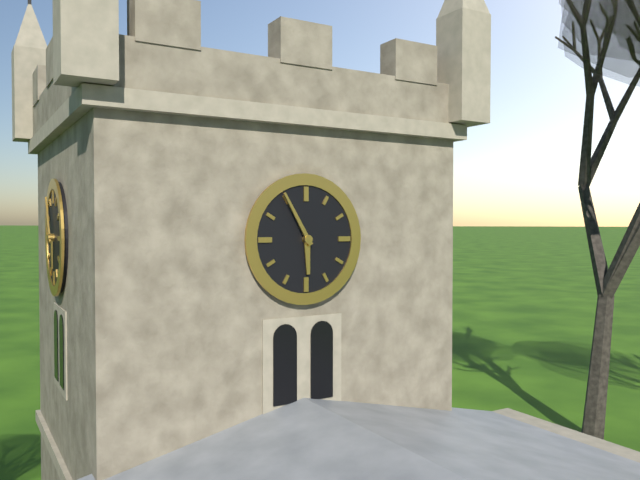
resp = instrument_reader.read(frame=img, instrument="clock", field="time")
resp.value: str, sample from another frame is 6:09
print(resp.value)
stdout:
5:55
